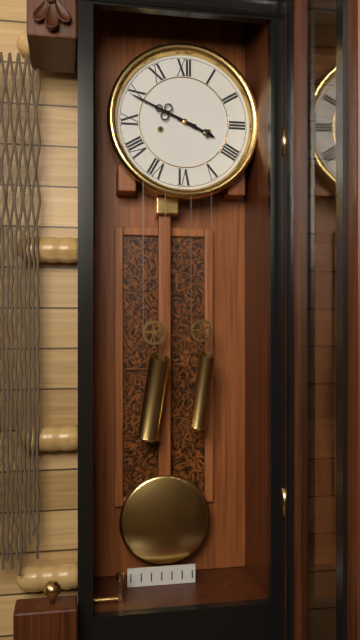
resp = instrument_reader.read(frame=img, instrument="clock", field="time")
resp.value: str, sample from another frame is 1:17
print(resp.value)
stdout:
3:49
